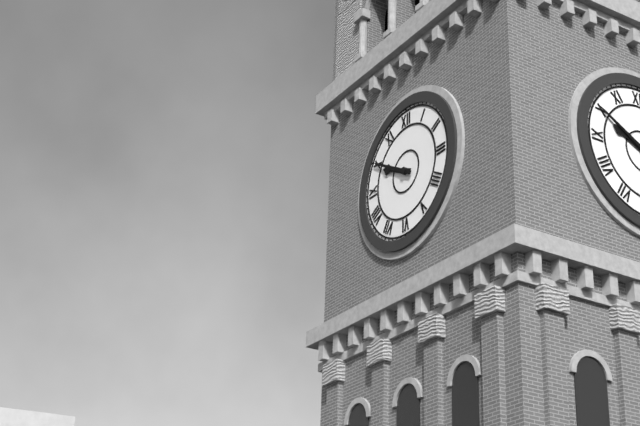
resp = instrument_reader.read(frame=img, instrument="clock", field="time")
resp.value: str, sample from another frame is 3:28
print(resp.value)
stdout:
9:50
